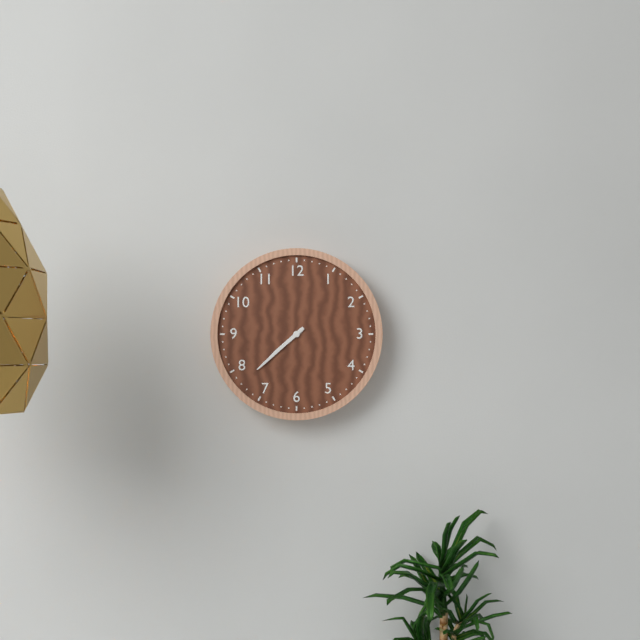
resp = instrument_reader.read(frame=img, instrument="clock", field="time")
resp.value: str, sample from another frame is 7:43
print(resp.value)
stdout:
7:38
